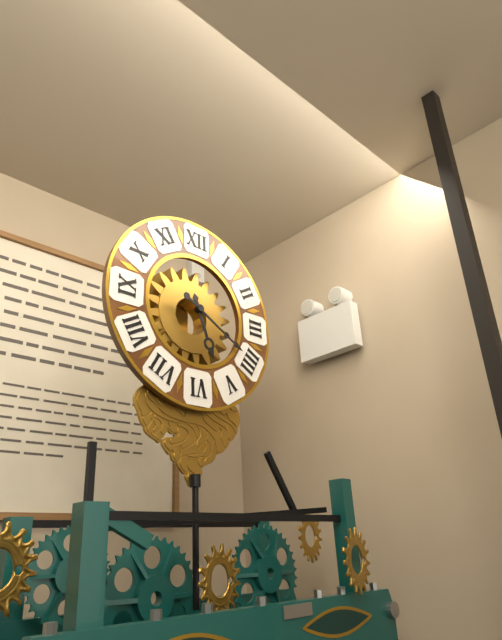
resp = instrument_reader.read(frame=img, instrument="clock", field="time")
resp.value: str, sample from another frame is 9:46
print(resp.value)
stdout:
5:20
